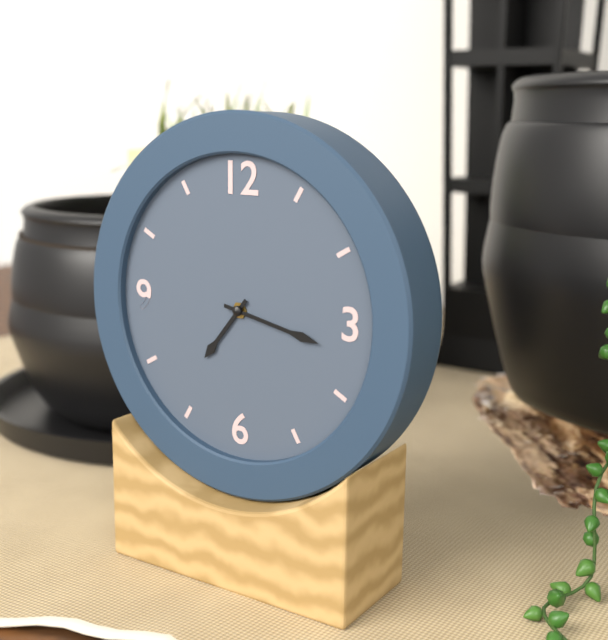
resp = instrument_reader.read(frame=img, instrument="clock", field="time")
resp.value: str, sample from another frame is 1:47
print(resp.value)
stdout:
7:17
